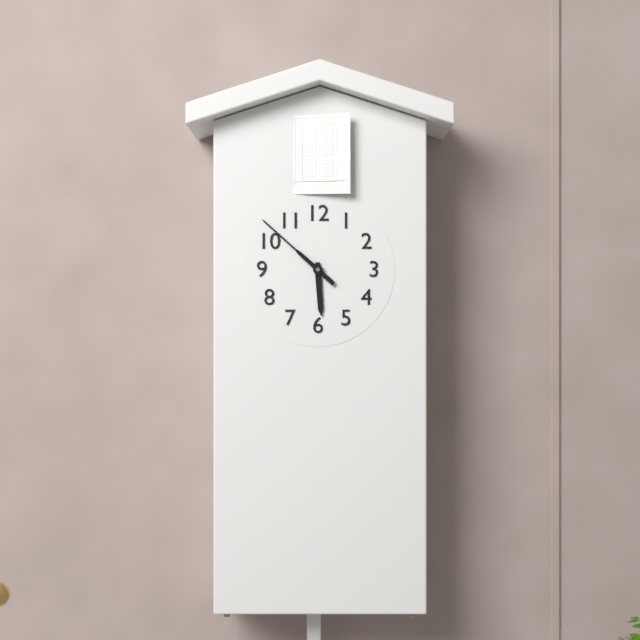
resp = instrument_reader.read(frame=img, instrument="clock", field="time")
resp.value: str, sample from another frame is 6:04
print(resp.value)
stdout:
5:52
